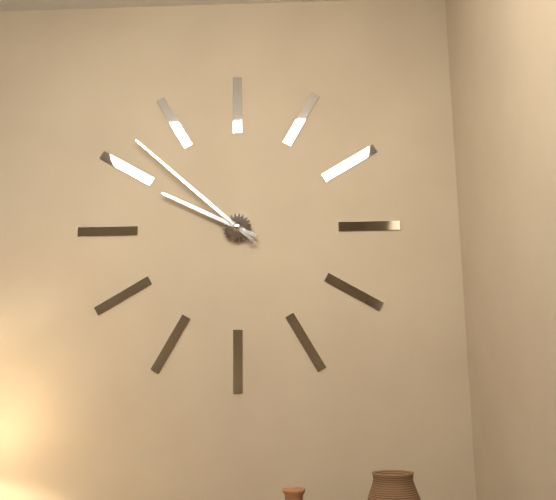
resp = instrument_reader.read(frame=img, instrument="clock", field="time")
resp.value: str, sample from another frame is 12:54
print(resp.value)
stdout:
9:52
